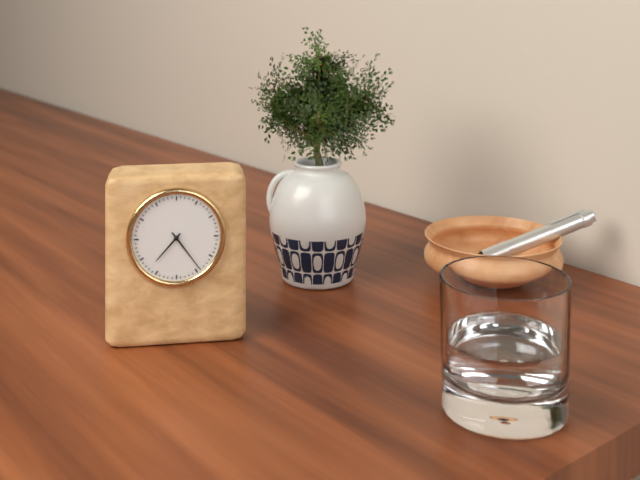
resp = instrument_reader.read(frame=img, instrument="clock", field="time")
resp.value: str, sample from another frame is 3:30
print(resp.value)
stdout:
7:24
